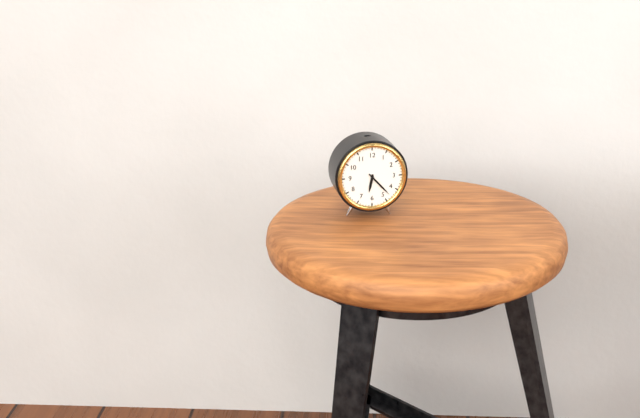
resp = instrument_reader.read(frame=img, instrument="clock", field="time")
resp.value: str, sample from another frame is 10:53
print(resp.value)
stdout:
6:23
